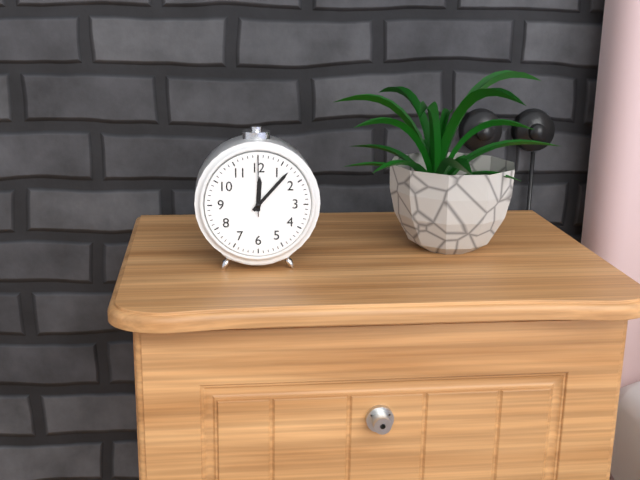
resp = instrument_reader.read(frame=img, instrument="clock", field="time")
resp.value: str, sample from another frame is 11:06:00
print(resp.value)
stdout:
12:07:00
